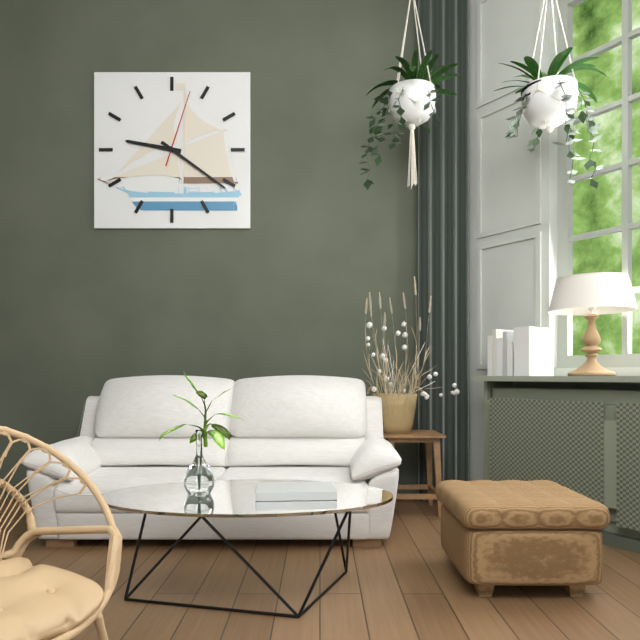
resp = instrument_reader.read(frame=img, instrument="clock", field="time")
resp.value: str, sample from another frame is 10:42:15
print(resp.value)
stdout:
9:21:03
